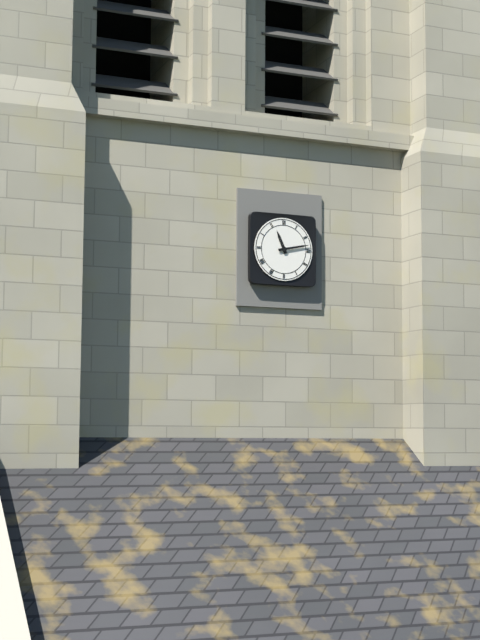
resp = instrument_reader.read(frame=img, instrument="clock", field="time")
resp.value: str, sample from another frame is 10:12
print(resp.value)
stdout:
11:13
